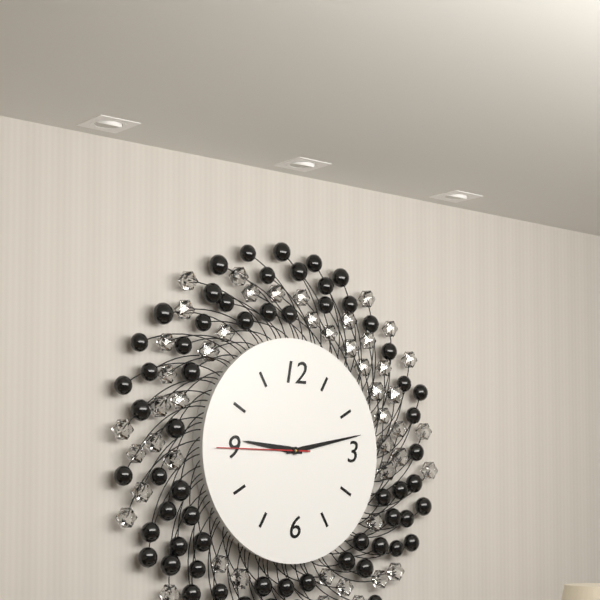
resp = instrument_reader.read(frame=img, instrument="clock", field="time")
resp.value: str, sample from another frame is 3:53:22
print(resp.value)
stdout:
9:13:45
